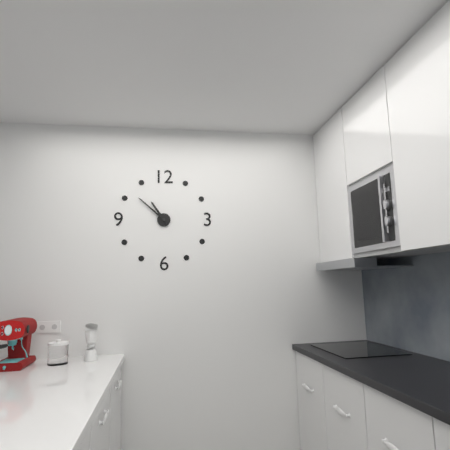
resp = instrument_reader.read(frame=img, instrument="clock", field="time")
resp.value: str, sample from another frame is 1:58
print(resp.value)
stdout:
10:52
